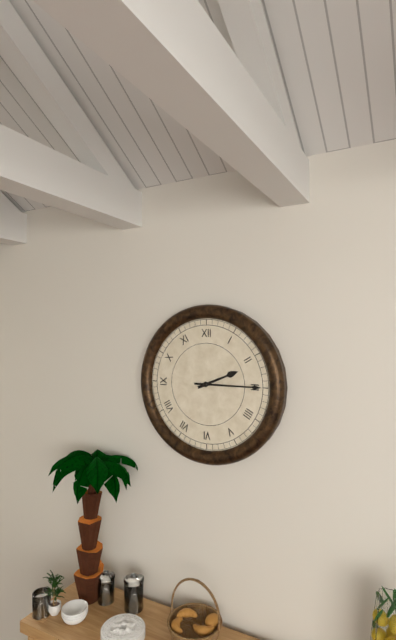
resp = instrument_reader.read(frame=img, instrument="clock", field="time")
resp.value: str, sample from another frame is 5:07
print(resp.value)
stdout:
2:15
